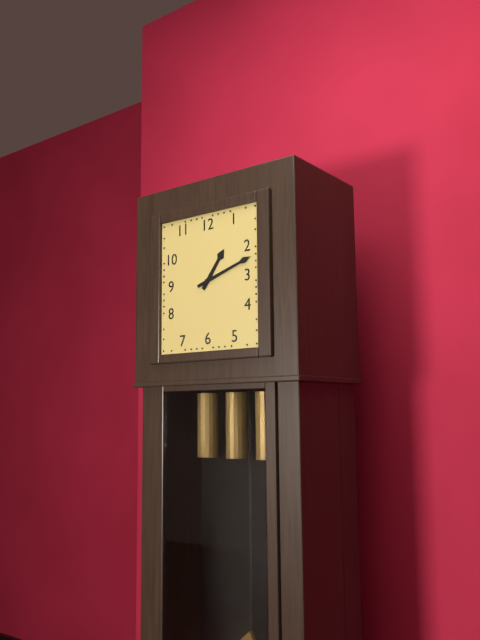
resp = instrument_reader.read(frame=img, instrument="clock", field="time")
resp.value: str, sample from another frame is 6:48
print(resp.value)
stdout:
1:12
